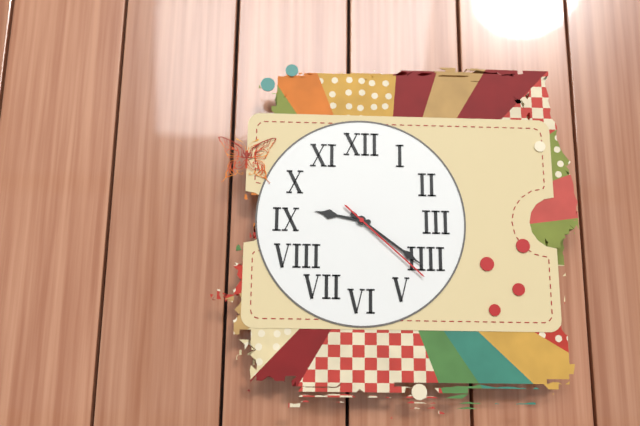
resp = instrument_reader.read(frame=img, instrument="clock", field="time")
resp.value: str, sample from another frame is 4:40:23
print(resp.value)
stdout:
9:21:22
